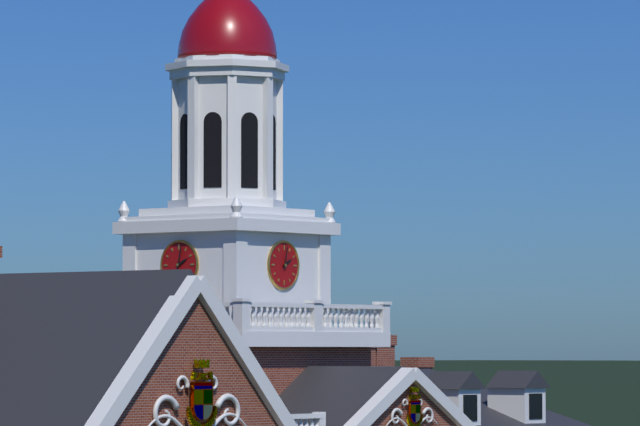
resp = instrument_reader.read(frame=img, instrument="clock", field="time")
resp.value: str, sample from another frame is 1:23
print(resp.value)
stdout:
2:02
